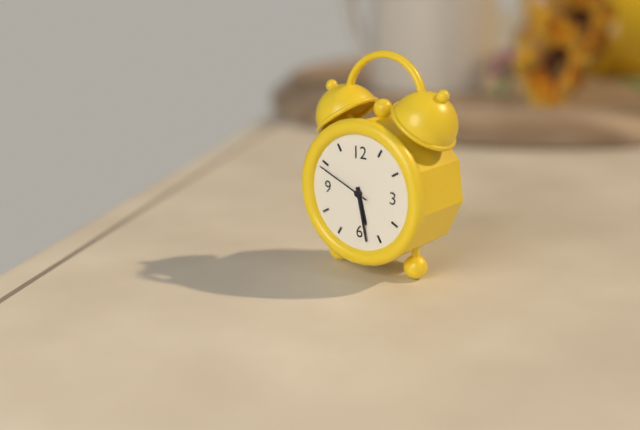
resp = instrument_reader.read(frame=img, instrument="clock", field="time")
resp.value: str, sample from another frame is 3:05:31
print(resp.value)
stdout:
5:28:49
